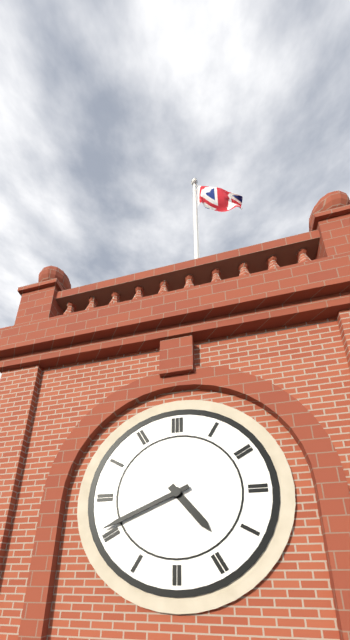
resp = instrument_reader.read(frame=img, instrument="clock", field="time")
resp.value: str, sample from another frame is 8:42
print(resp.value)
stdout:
4:41
